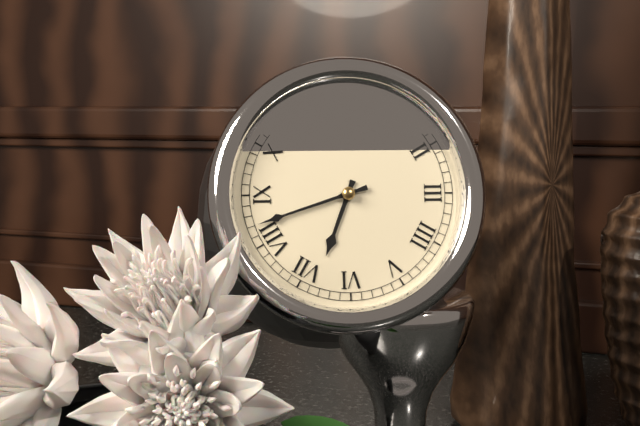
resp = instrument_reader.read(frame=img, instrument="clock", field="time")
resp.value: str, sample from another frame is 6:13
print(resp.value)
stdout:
6:42
